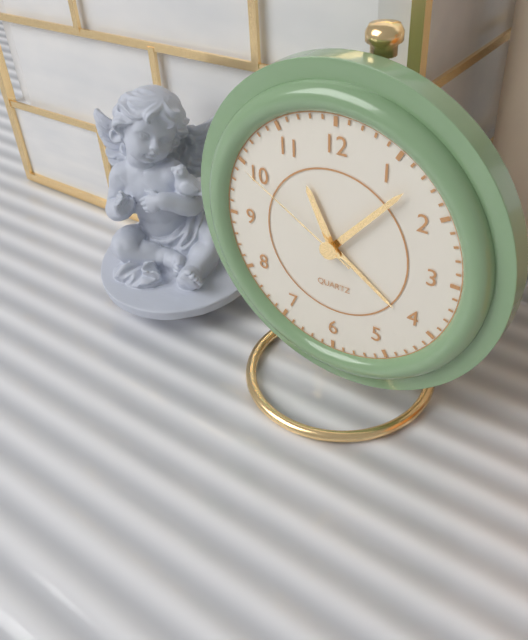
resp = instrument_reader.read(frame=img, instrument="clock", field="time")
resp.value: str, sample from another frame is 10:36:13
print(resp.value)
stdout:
11:07:50
